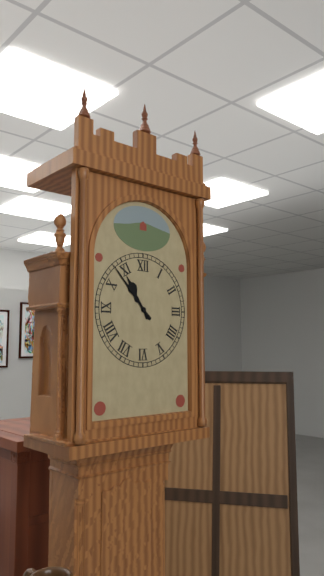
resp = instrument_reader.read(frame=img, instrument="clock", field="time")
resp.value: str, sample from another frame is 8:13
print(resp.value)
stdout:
10:53
